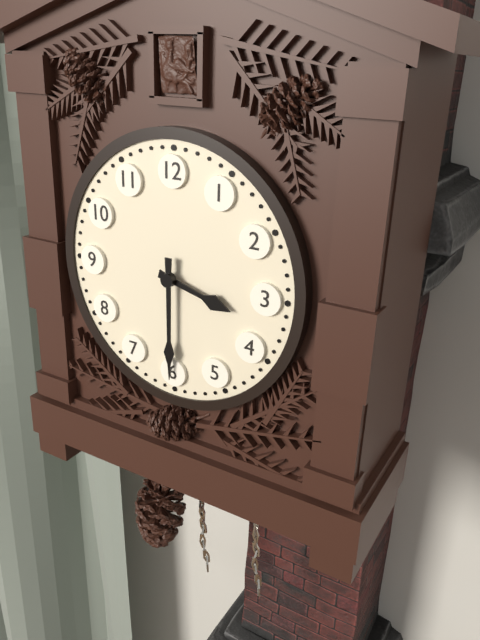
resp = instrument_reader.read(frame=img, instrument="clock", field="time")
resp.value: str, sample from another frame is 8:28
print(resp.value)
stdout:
3:30
